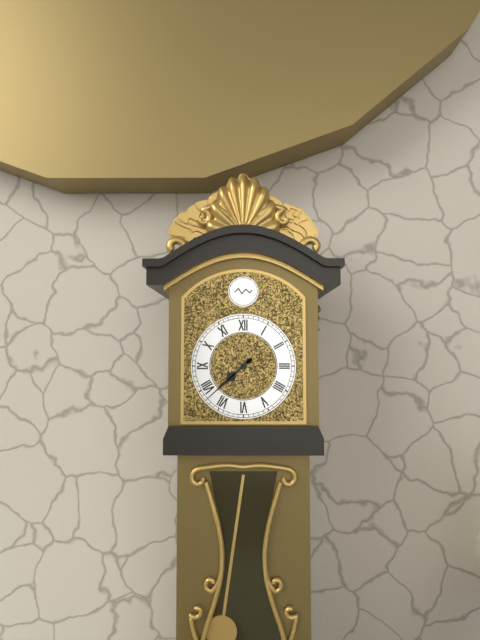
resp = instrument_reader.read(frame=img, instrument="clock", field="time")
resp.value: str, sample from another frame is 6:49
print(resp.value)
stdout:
7:38
